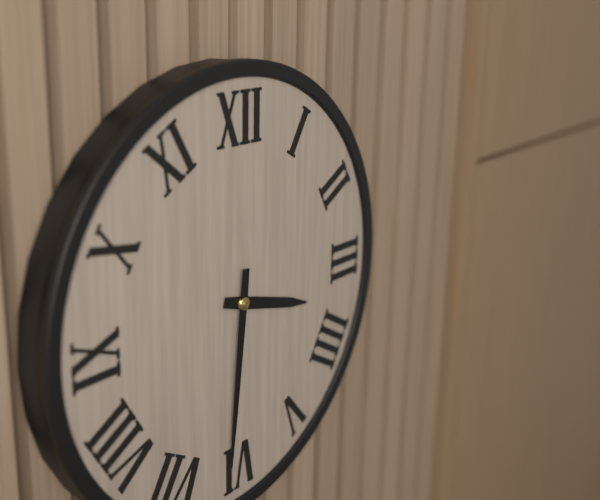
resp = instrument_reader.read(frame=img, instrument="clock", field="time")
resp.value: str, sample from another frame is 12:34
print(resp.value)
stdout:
3:31
